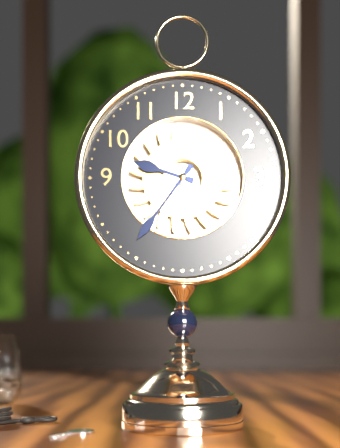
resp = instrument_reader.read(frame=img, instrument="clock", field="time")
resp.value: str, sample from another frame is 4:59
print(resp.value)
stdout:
9:36
